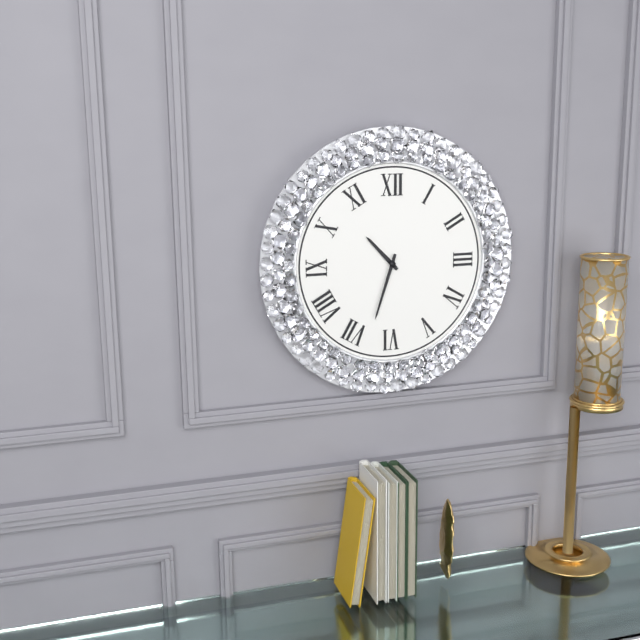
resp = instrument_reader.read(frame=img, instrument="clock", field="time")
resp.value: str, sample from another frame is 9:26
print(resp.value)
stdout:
10:33
